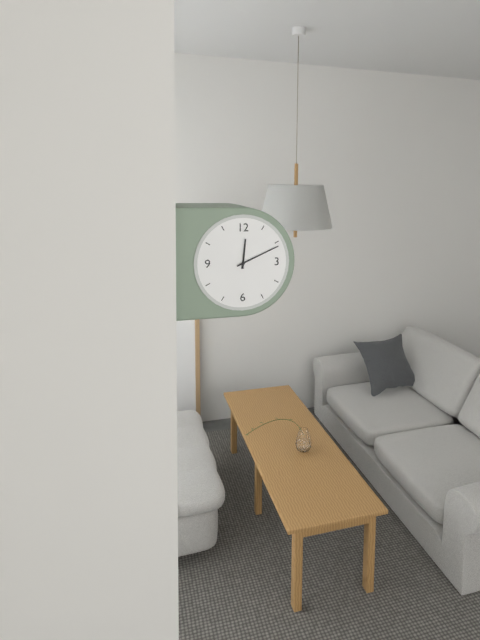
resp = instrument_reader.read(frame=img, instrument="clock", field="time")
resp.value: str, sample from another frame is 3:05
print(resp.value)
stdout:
12:11
